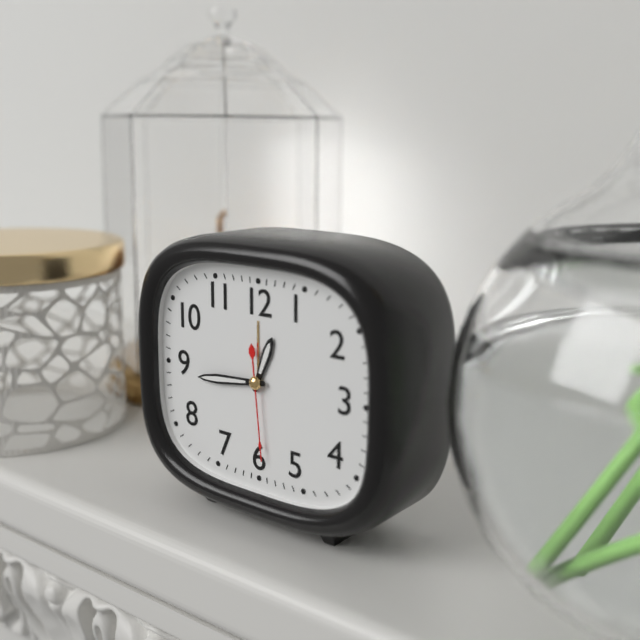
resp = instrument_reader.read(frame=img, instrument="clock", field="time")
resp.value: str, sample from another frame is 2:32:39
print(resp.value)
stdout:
12:44:29
